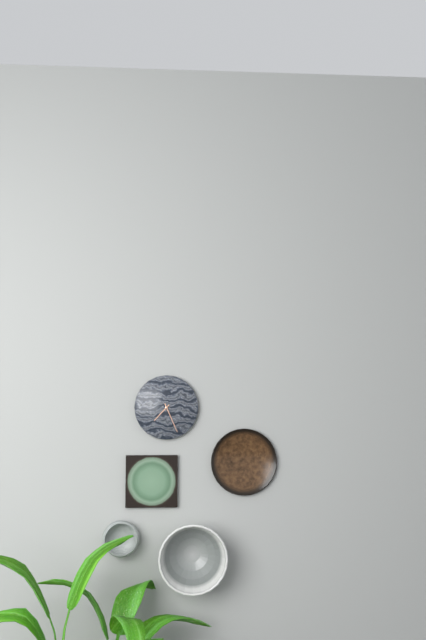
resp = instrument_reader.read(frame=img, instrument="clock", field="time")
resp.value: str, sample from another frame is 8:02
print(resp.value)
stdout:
7:26
